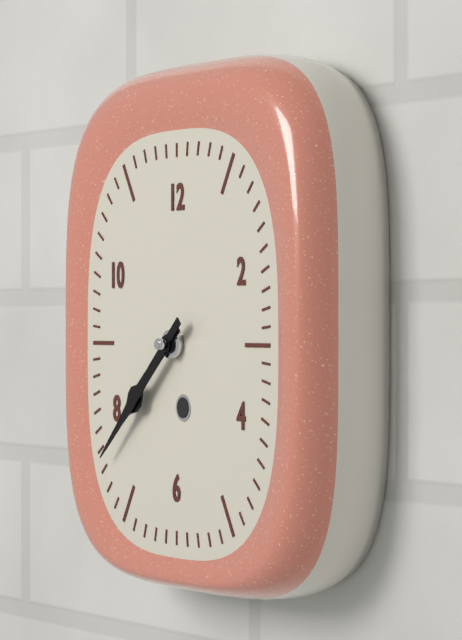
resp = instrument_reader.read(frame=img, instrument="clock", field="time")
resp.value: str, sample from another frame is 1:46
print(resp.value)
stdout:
7:38
